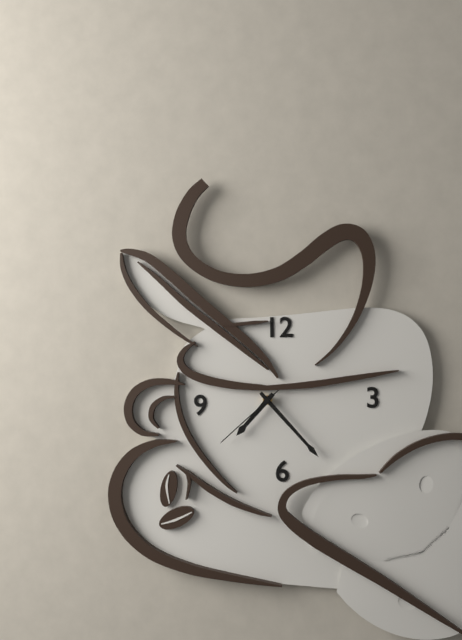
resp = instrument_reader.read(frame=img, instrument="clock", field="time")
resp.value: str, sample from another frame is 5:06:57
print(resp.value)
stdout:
7:23:38
